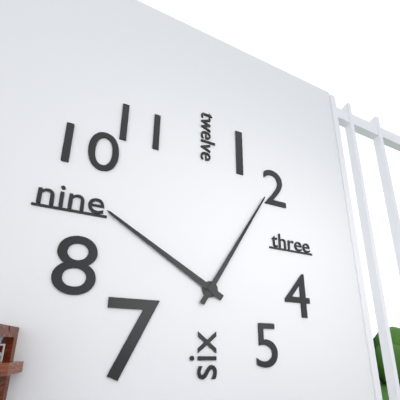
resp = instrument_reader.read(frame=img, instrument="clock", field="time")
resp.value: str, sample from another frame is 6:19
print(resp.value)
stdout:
10:05
